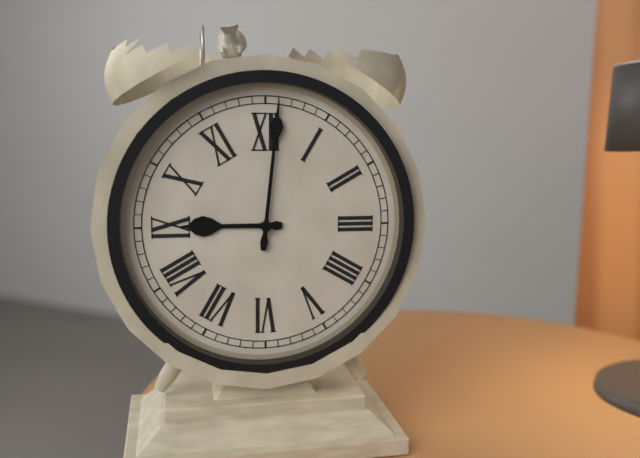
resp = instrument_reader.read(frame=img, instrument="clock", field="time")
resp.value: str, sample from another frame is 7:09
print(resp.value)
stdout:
9:01
